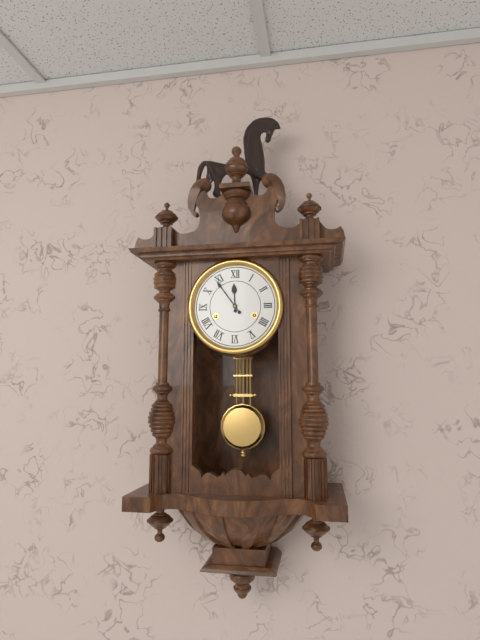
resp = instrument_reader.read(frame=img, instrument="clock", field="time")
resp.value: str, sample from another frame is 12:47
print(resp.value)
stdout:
11:54
